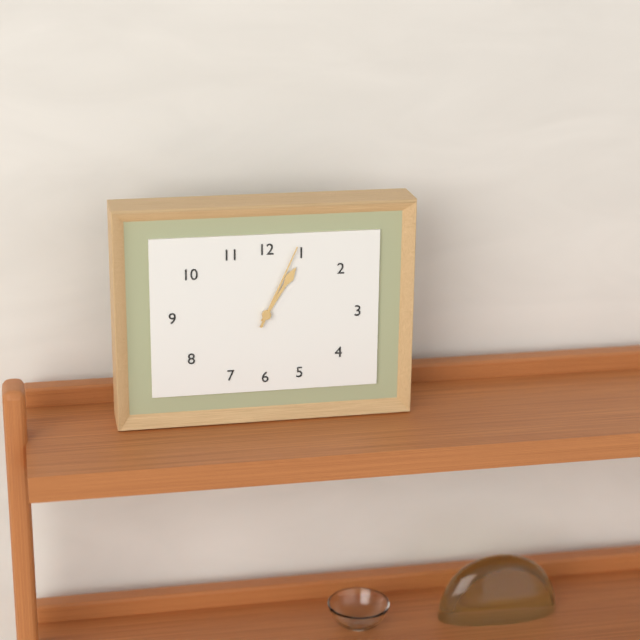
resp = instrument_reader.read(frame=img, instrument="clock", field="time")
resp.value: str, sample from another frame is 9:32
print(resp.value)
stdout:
1:04
